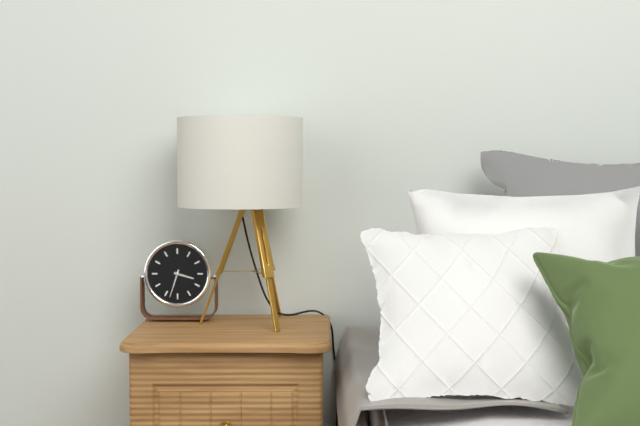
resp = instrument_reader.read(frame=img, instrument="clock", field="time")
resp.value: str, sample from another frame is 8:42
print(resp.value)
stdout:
3:33
